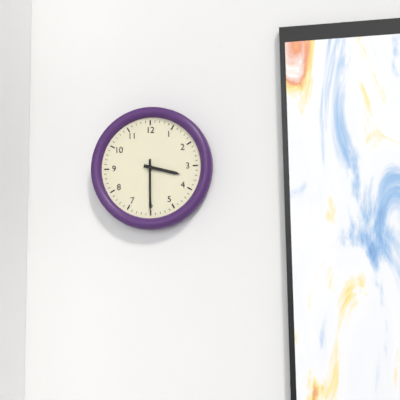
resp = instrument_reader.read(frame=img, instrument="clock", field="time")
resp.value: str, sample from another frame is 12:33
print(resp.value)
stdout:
3:30
